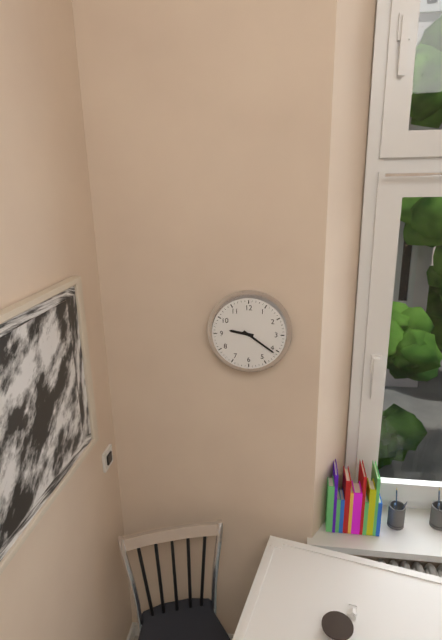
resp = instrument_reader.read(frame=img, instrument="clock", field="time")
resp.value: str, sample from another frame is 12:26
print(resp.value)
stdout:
9:21
